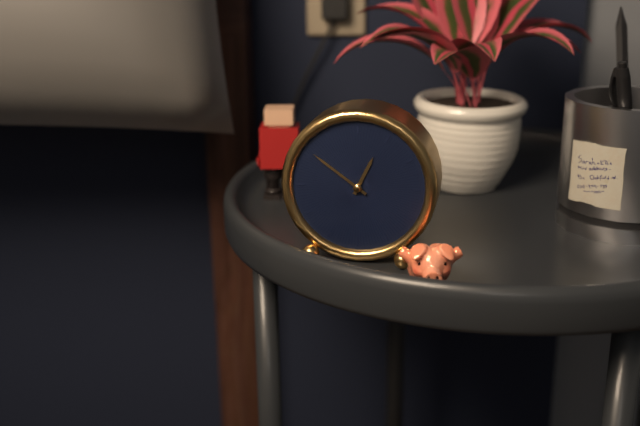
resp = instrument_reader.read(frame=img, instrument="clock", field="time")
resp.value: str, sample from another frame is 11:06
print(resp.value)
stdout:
12:51
